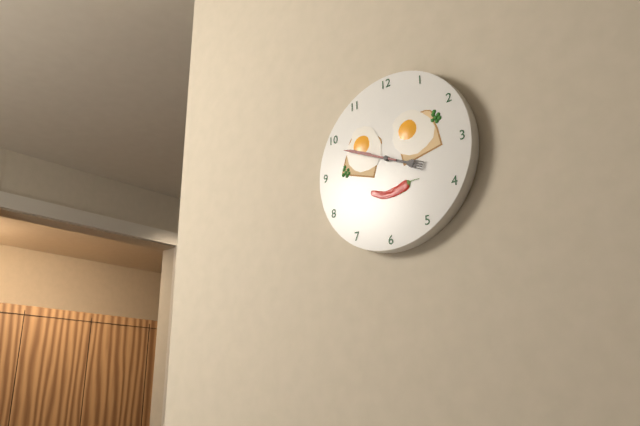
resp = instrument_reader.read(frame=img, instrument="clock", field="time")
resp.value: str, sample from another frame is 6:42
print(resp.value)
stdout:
3:49
